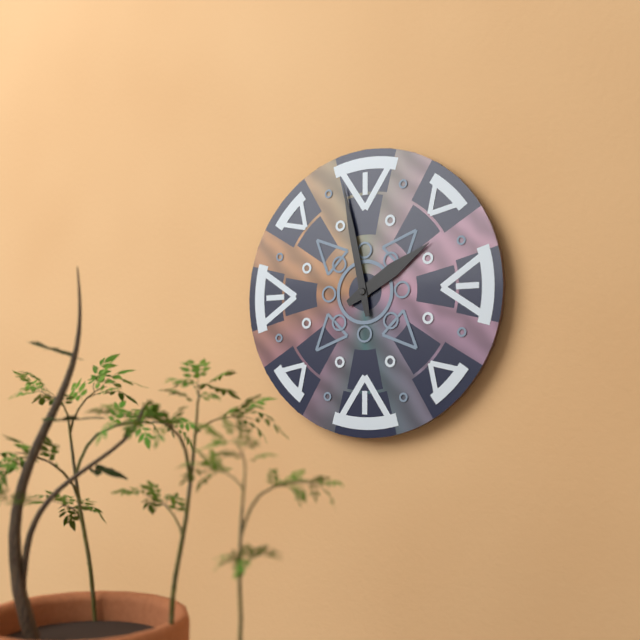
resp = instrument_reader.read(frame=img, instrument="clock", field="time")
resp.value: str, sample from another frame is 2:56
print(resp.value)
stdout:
1:58
